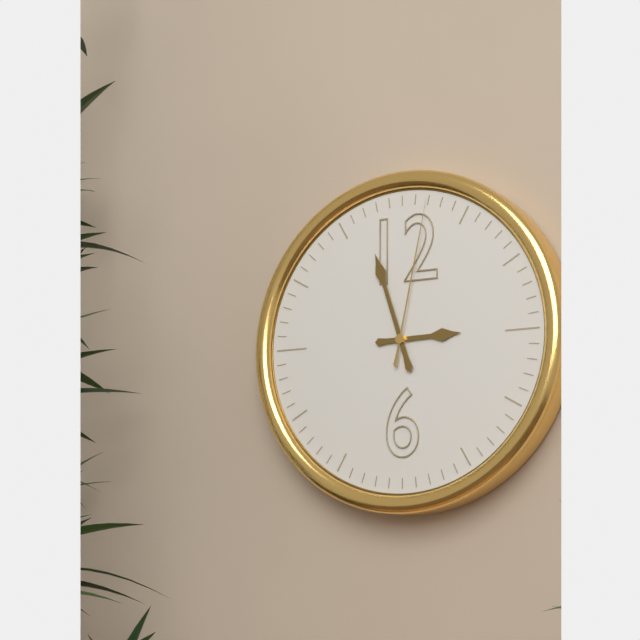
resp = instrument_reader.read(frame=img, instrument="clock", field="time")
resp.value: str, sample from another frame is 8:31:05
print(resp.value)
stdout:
2:57:02
